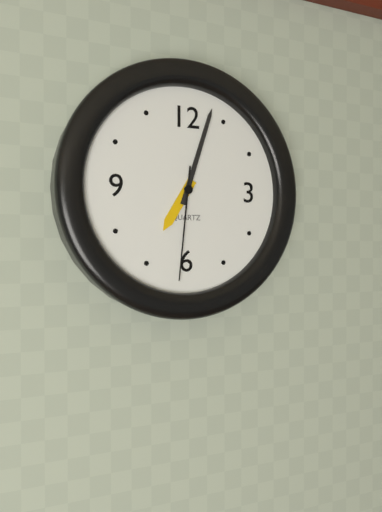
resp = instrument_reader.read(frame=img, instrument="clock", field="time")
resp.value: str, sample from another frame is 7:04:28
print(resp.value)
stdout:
7:03:31
